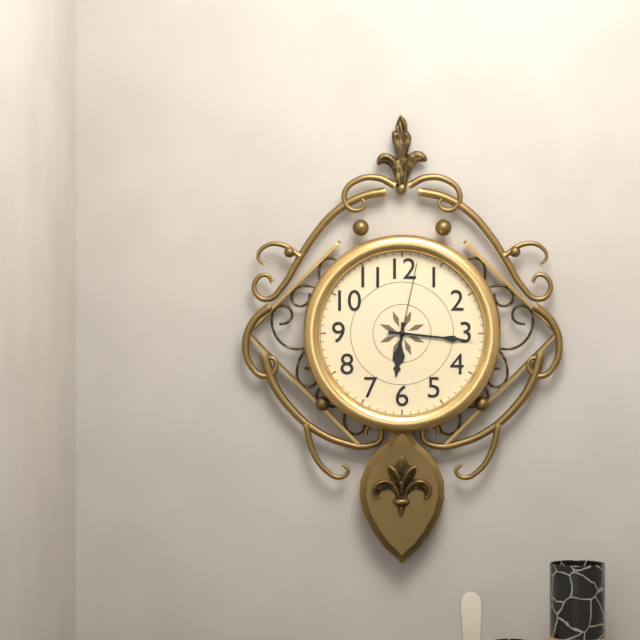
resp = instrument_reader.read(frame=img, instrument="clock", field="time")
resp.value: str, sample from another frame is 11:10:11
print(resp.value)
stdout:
6:16:02
